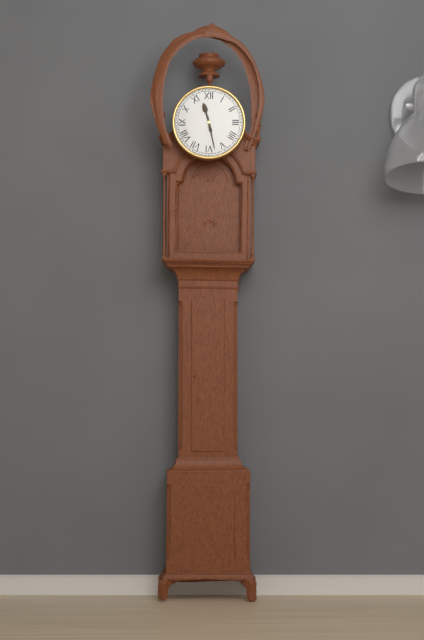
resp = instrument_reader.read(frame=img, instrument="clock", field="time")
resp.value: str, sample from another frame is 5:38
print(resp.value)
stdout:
11:28
